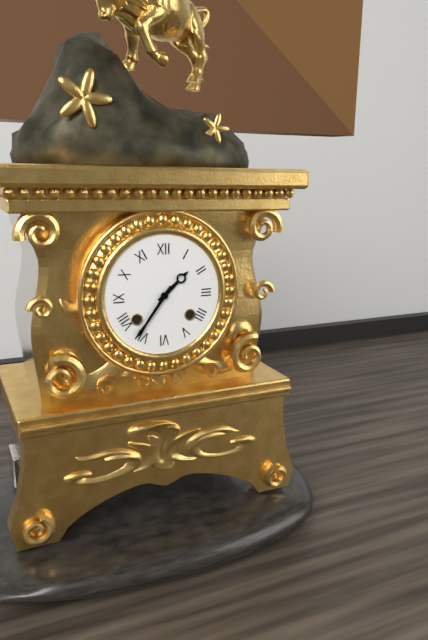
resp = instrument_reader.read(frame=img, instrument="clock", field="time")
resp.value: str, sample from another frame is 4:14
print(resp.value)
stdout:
1:36
